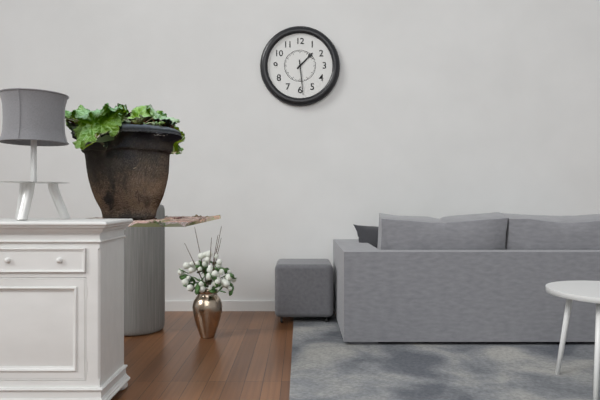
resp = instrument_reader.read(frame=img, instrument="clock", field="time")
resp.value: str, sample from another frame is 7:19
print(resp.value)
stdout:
1:29
